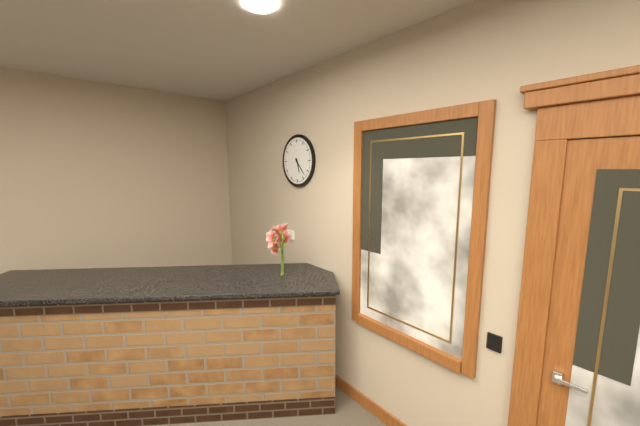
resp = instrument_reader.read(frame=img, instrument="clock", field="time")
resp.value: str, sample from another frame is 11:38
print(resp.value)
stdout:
5:23
